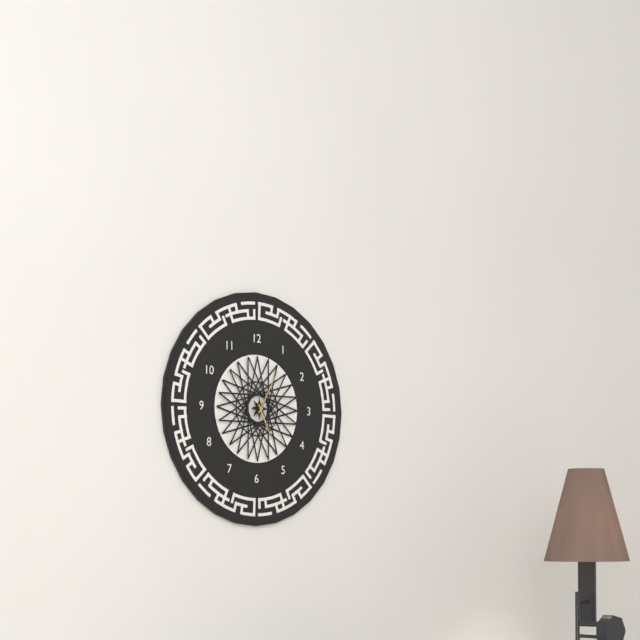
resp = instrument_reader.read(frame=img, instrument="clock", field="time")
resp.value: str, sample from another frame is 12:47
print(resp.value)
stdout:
5:05
